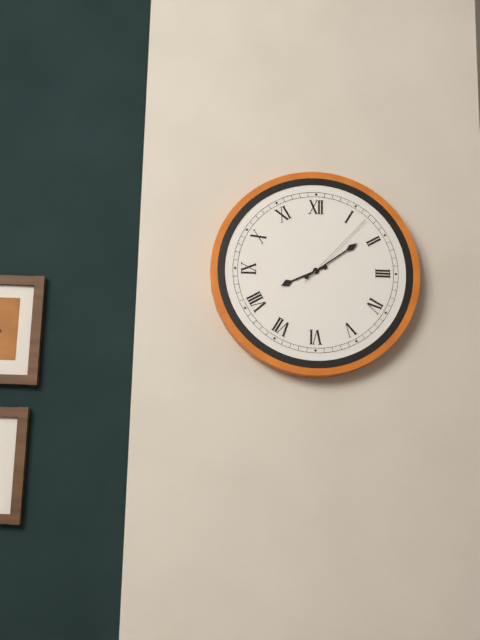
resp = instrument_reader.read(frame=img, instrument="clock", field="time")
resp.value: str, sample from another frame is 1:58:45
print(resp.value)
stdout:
8:09:07
